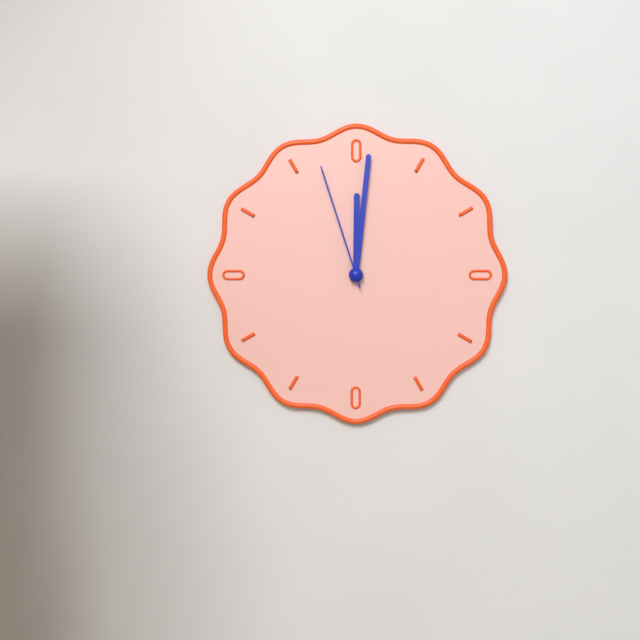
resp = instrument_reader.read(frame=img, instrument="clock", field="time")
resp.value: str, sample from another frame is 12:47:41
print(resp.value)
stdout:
12:01:57
